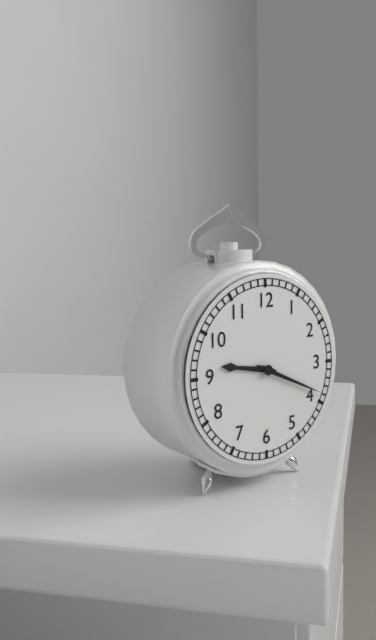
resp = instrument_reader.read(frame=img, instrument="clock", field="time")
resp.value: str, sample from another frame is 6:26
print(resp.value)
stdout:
9:19
